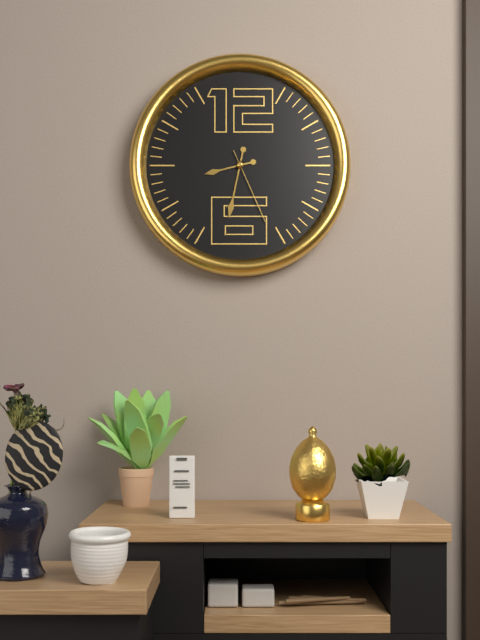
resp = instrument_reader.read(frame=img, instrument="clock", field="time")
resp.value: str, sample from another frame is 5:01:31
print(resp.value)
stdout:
8:32:26
